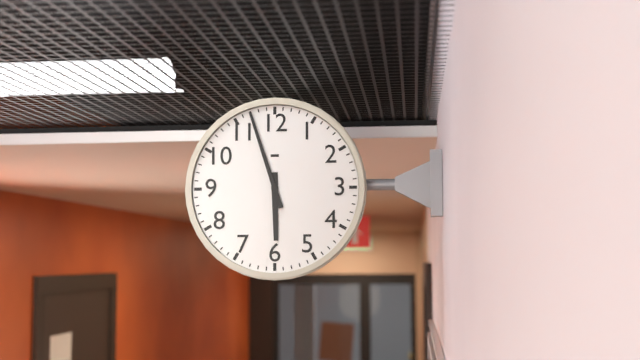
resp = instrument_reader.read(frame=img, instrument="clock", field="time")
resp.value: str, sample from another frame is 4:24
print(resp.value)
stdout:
5:57
